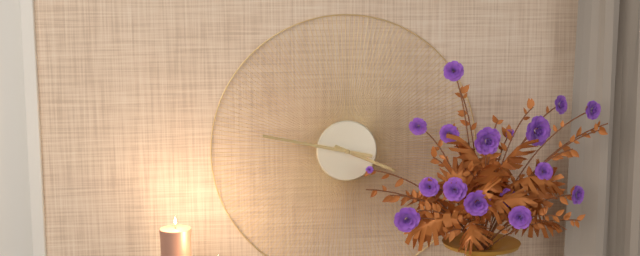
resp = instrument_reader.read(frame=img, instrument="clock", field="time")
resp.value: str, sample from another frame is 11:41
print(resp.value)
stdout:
3:47
